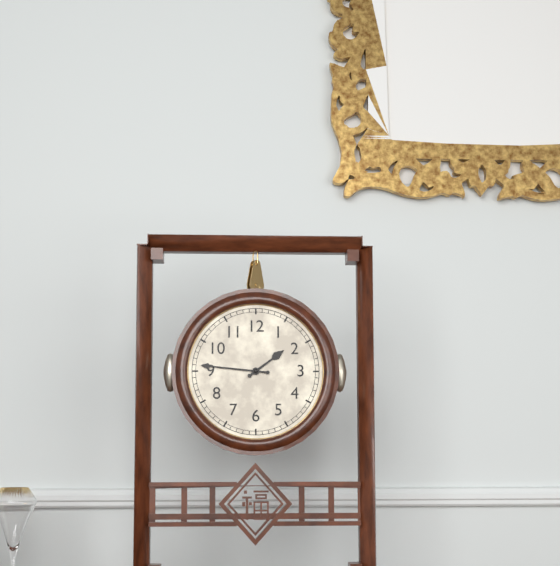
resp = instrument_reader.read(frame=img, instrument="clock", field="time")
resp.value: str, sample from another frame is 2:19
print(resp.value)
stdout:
1:46
